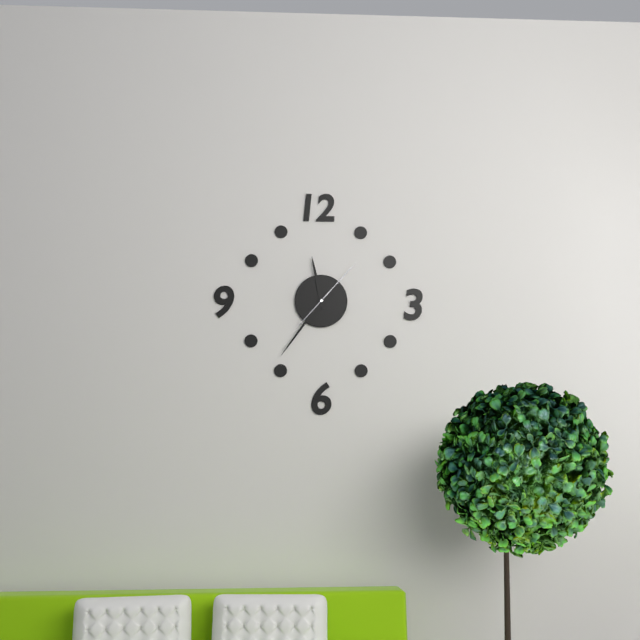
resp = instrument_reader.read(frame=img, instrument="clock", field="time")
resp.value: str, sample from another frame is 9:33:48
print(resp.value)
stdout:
11:36:07
